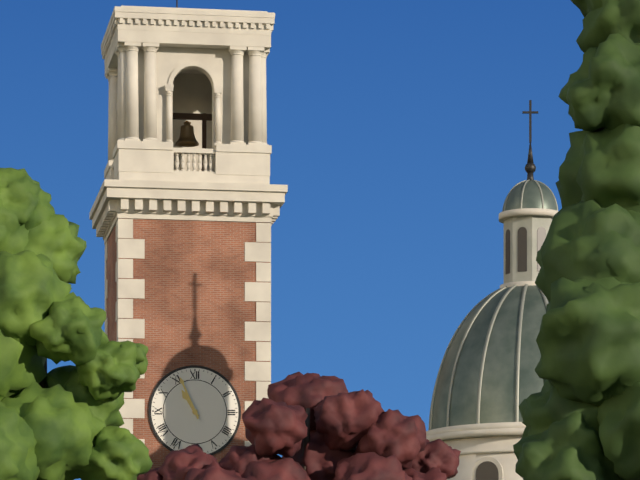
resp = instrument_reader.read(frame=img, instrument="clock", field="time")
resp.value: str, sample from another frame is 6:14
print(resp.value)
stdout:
10:56
